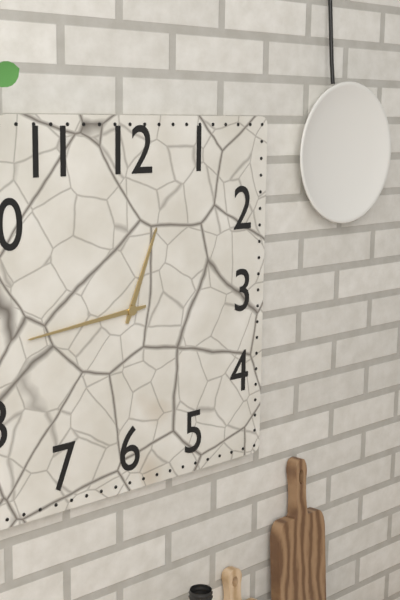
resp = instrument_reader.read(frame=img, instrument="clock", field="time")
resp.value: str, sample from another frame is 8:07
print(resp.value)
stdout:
12:44
